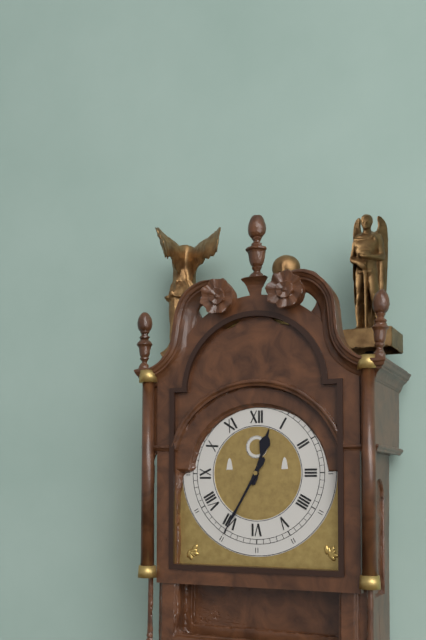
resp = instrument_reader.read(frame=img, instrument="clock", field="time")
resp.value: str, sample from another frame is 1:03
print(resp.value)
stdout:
12:35
